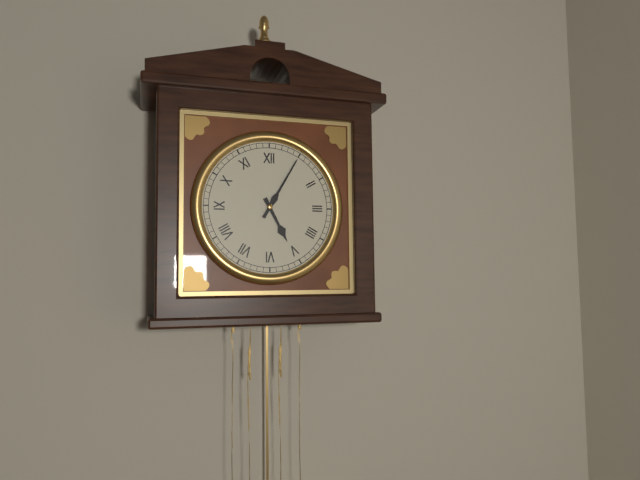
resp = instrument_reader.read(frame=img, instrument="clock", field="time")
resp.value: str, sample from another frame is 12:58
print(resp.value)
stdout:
5:05
